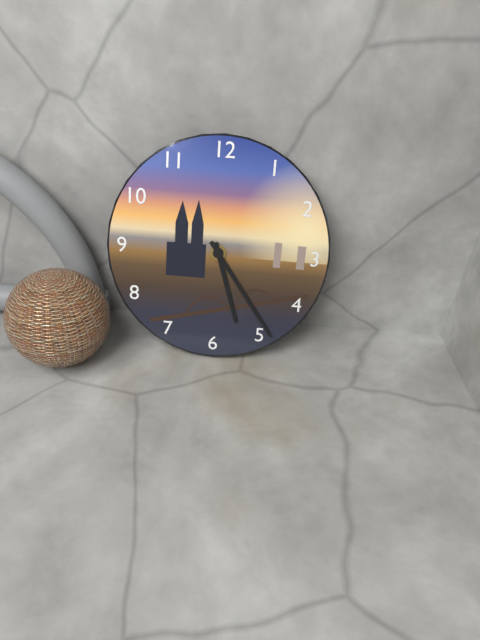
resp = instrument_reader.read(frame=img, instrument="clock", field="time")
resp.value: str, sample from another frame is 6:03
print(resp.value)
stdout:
5:24
